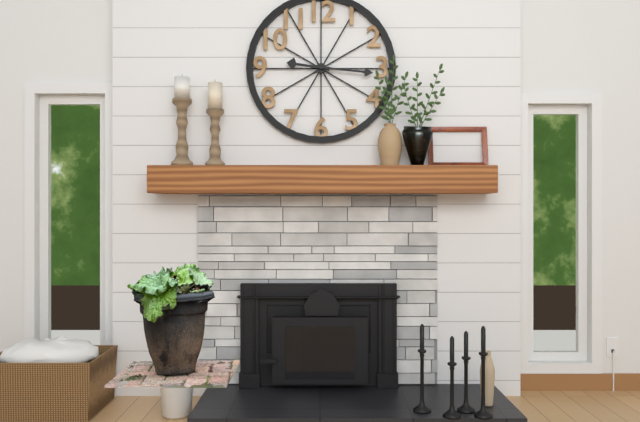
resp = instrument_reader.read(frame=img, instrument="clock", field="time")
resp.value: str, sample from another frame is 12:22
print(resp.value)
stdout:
9:16
